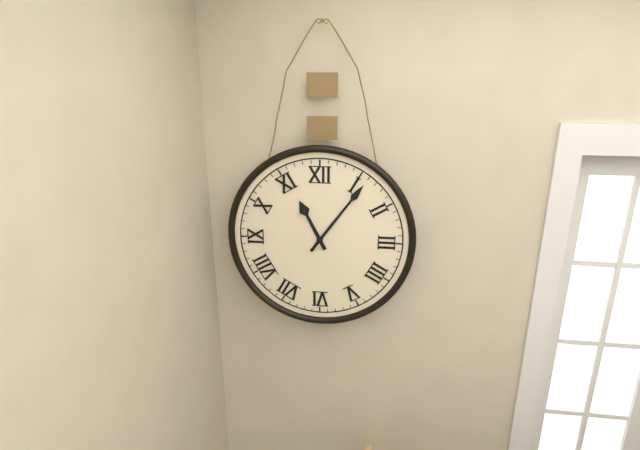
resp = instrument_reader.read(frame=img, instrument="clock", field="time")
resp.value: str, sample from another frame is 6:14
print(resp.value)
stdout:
11:06
